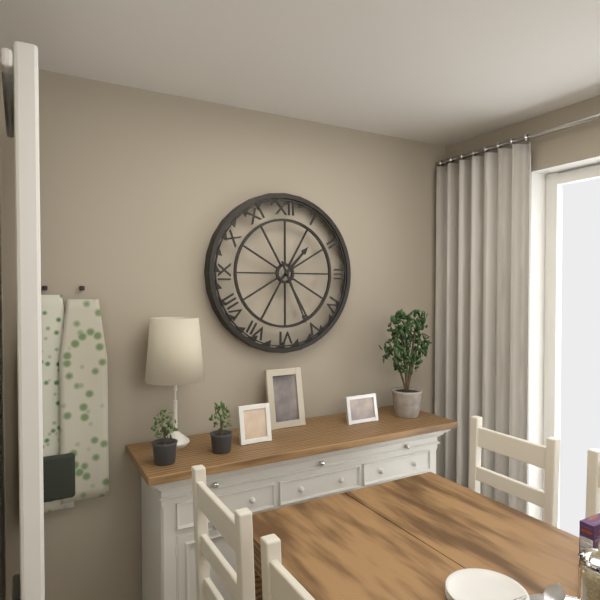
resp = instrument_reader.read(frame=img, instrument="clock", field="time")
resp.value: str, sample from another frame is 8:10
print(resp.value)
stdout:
1:26
